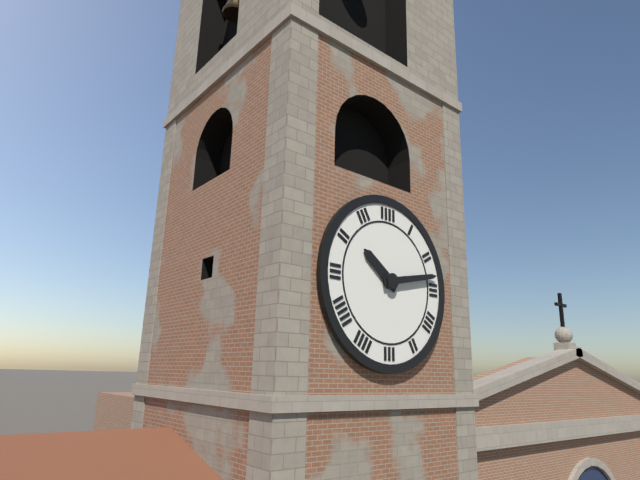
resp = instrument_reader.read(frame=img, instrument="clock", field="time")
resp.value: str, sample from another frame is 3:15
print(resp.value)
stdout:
10:13
